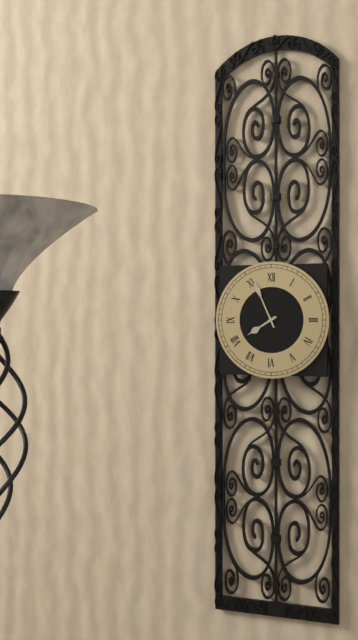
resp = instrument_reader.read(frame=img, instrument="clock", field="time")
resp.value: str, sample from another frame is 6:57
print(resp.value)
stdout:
7:56
